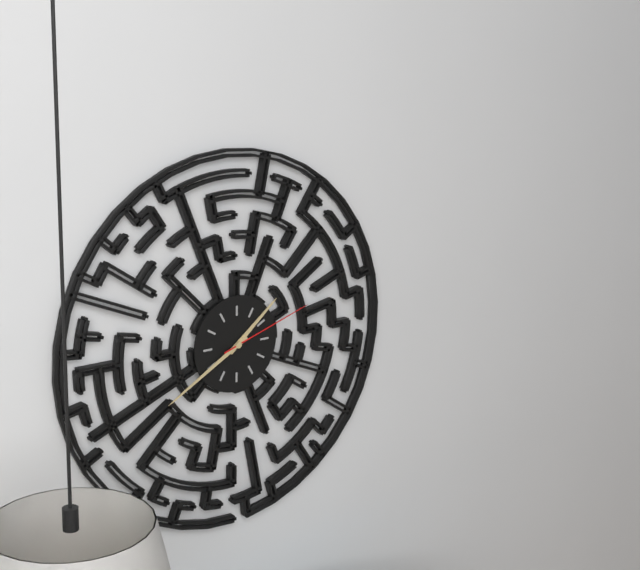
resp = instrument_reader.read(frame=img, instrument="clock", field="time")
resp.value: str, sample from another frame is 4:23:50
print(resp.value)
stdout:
1:40:12
